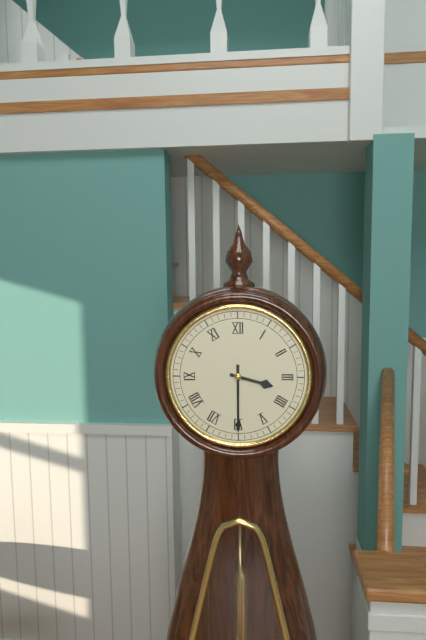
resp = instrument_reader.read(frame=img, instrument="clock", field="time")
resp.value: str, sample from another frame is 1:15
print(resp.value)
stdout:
3:30
